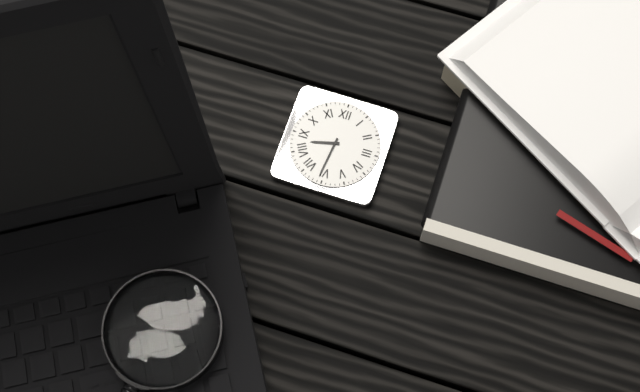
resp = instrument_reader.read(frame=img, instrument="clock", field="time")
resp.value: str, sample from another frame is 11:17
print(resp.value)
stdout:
8:31
